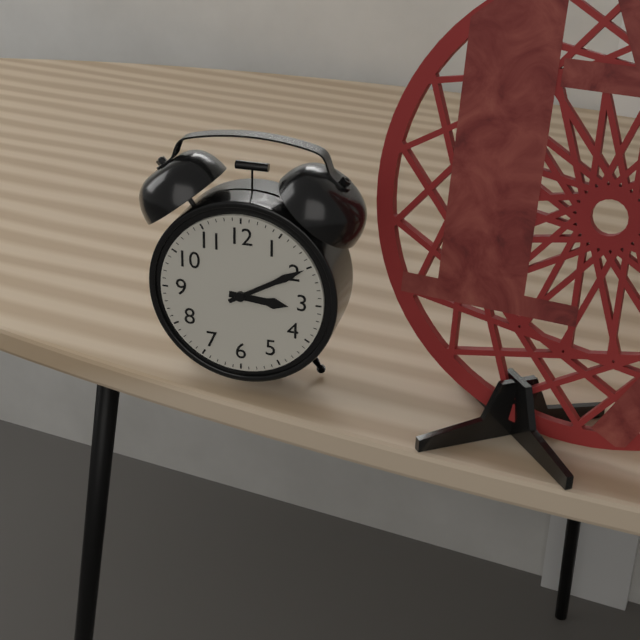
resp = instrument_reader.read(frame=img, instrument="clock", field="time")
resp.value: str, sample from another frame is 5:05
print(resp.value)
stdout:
3:10
